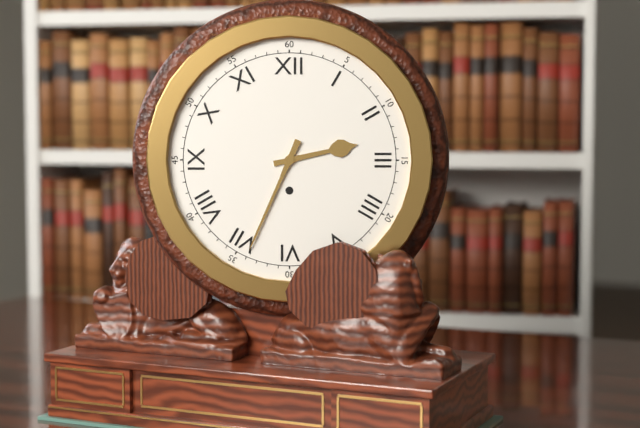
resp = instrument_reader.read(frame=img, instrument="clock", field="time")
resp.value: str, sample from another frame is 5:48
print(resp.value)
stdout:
2:34
